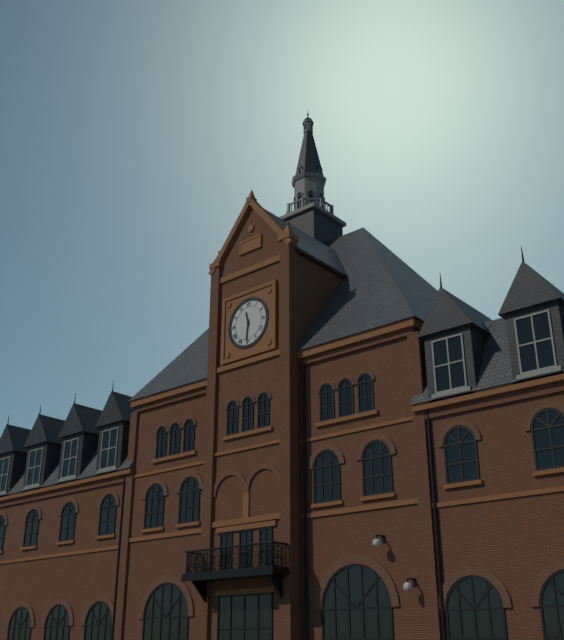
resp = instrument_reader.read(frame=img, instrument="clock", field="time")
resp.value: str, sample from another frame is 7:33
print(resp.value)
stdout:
11:31
